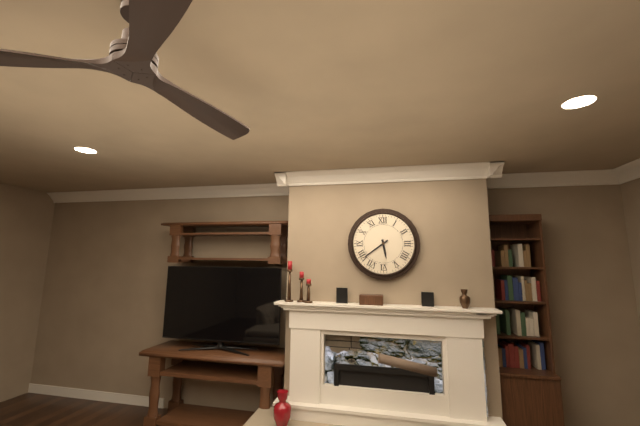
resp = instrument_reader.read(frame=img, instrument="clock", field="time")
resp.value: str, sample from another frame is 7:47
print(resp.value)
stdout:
5:39
